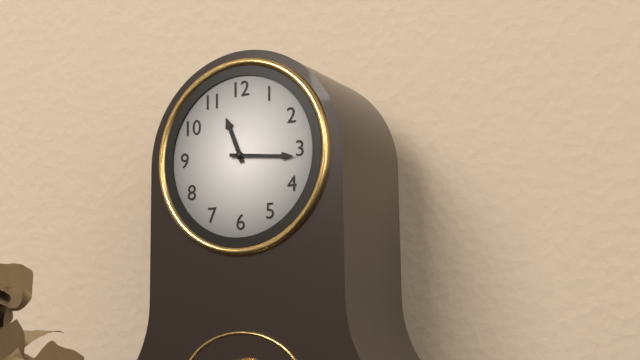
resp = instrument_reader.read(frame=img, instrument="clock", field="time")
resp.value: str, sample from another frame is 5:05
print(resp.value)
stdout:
11:16
